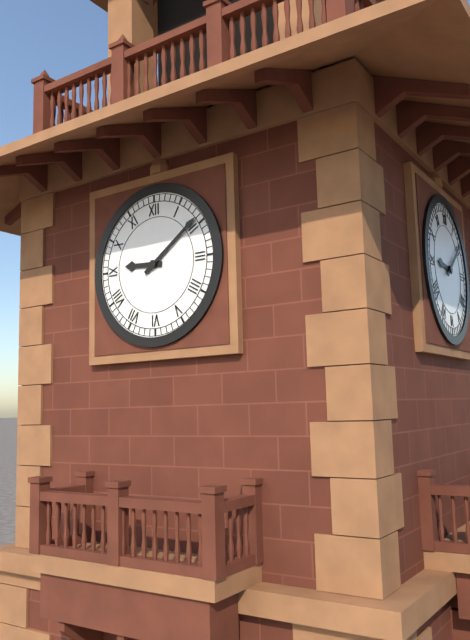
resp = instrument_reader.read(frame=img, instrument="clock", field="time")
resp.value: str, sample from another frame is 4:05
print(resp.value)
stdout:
9:09
